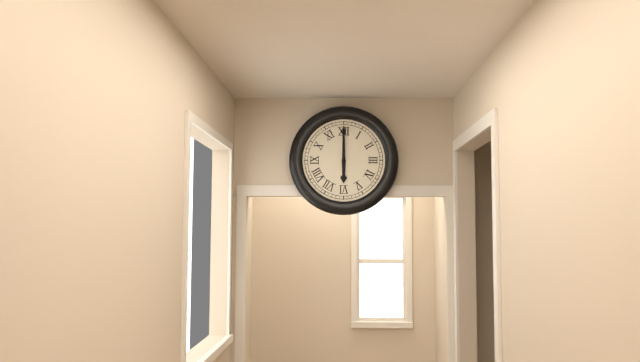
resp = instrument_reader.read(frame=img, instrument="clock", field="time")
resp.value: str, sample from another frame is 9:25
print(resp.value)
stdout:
6:00
